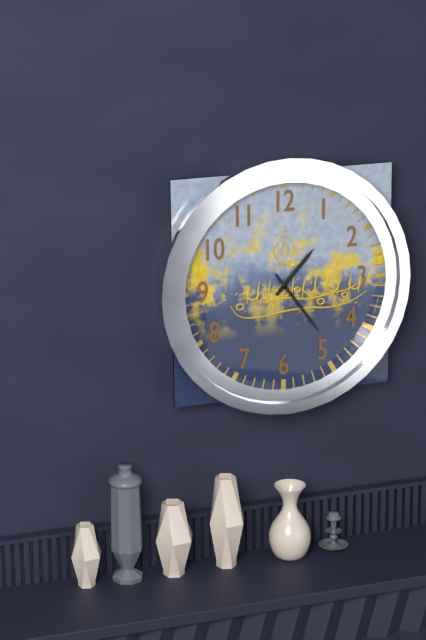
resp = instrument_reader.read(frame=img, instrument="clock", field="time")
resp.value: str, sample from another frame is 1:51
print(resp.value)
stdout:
1:24
